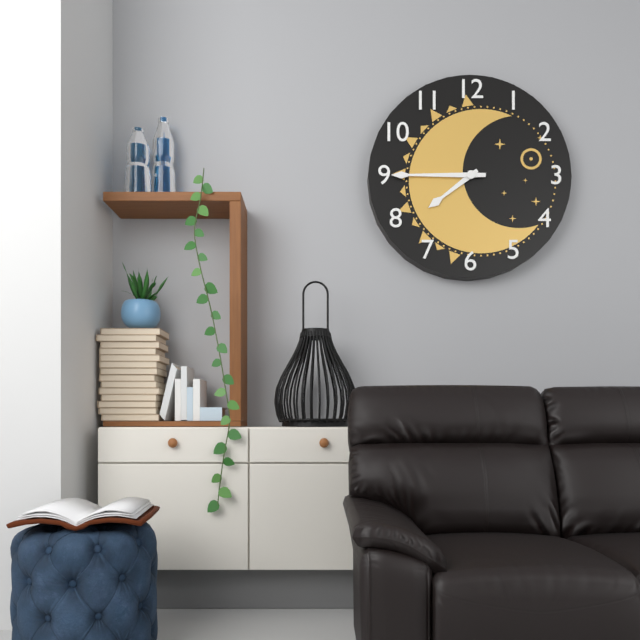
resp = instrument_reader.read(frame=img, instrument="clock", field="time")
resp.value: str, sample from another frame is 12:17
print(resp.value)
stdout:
7:45
